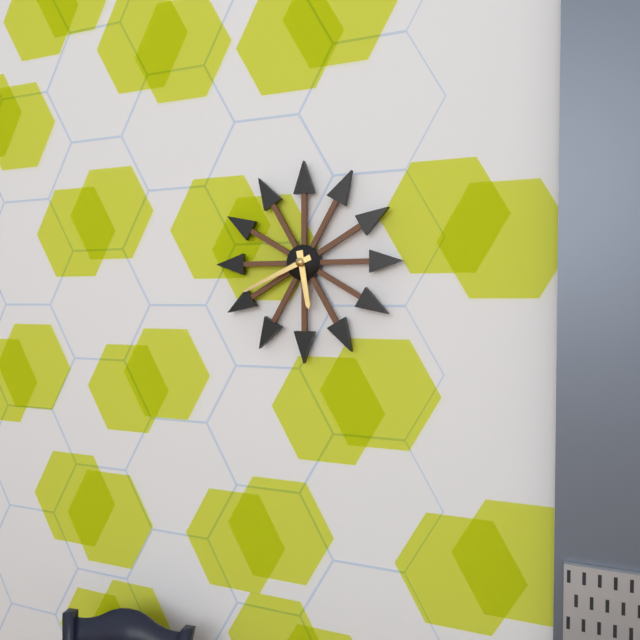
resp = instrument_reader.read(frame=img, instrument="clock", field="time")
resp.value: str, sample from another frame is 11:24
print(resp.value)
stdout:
5:41
